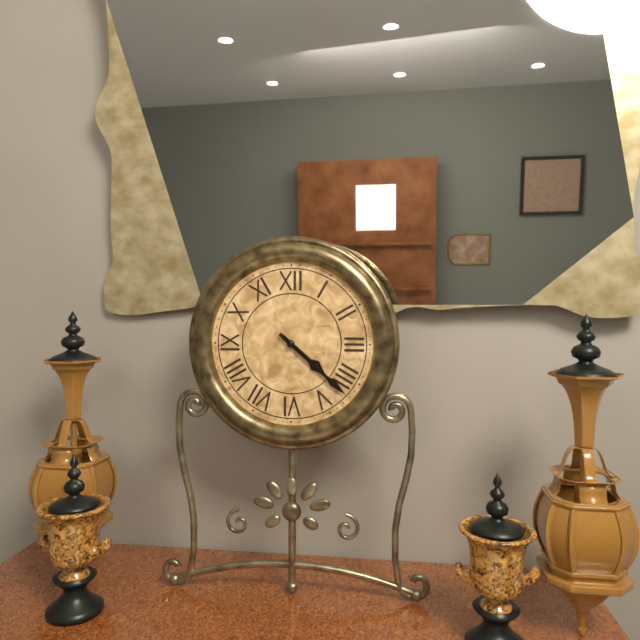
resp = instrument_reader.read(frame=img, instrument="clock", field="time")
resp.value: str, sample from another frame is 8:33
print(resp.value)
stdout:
4:22
